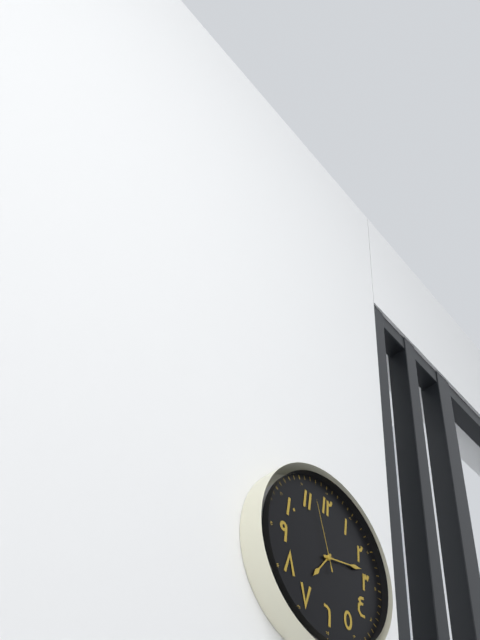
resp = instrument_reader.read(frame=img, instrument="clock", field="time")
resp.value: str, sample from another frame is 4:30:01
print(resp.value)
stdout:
7:13:57
